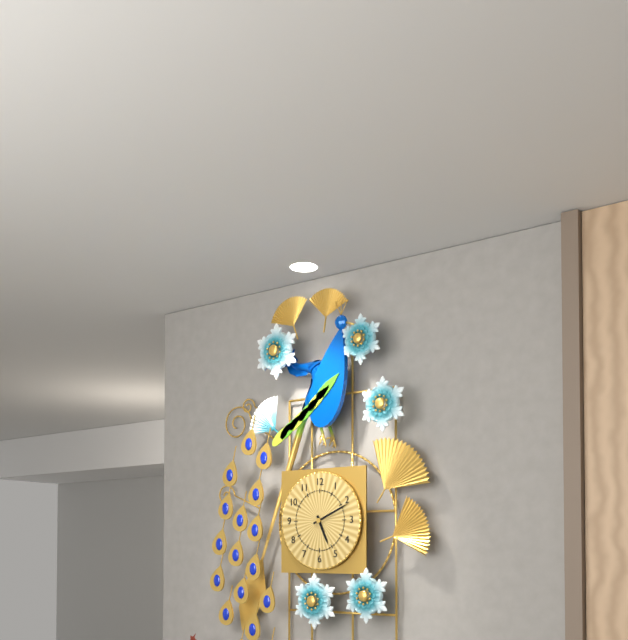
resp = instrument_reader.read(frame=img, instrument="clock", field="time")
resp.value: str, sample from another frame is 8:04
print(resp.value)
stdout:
5:11
